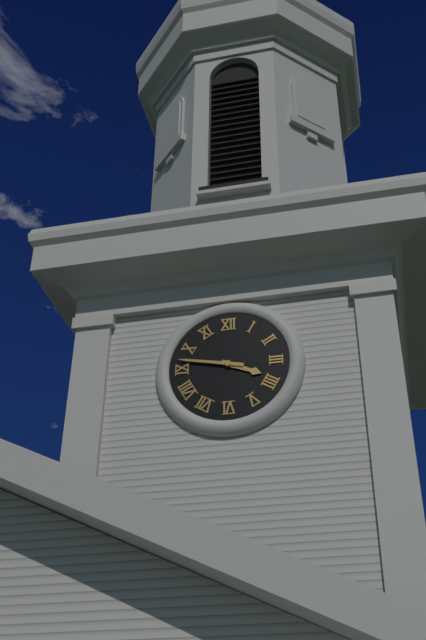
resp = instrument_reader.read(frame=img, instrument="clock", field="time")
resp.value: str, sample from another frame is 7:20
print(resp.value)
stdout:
3:47
